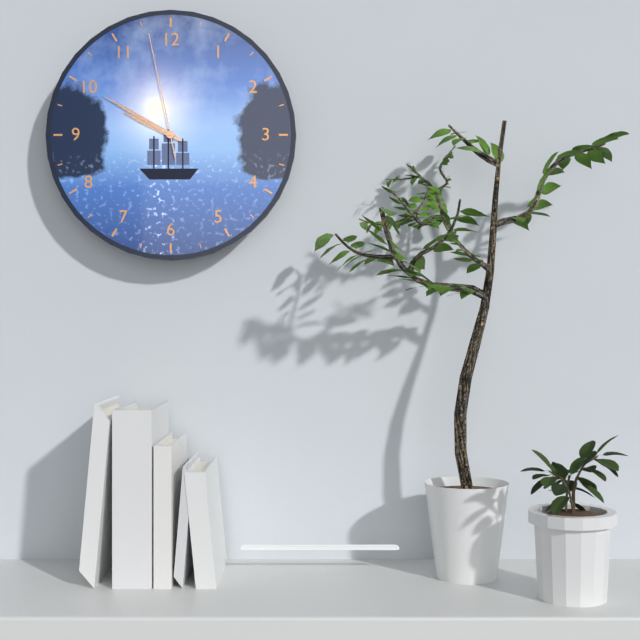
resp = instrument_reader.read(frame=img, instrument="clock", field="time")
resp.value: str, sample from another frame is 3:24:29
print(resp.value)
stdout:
9:50:58
